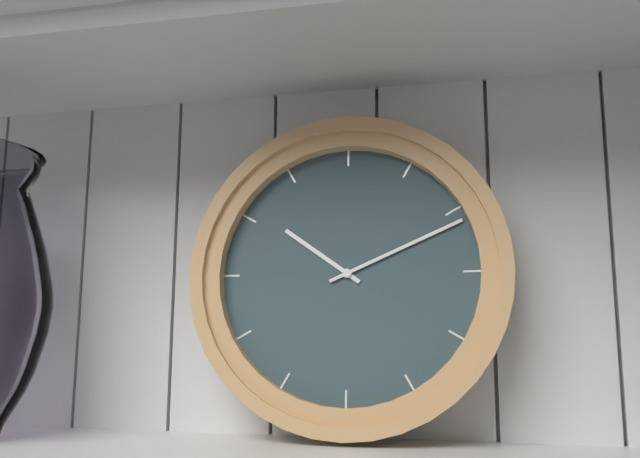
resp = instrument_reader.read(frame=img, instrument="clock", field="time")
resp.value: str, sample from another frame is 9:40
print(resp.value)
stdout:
10:11
